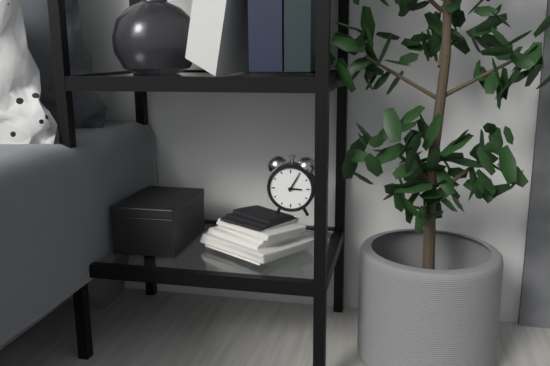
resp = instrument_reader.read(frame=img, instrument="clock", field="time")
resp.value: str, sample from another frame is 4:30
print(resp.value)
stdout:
3:05
